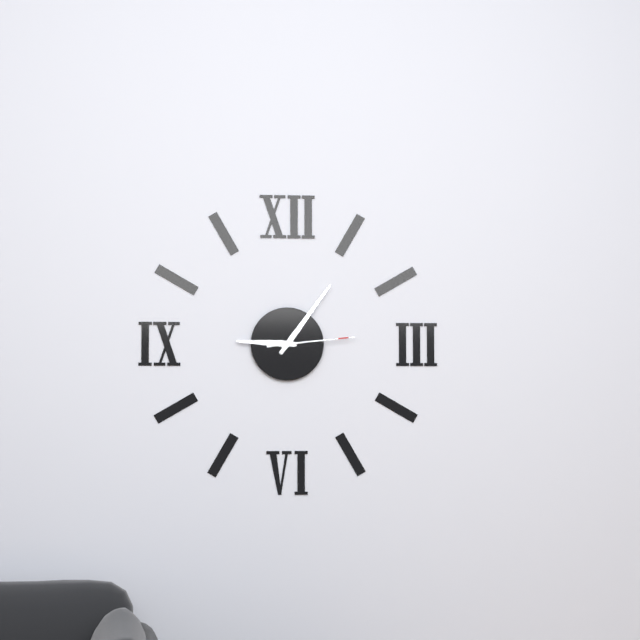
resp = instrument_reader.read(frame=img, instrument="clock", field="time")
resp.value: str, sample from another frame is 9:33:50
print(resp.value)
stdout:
9:06:14
